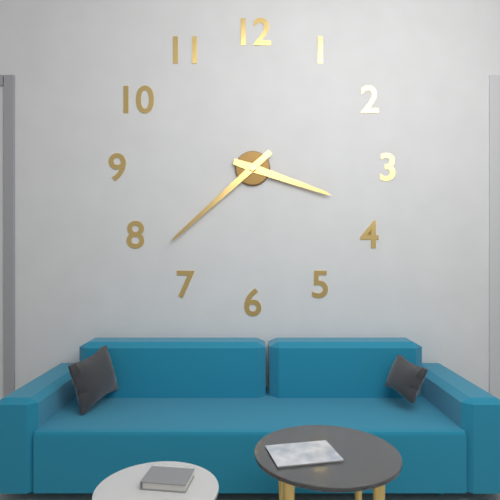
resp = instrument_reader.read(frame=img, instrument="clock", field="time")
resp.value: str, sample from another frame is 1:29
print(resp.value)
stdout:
3:38
